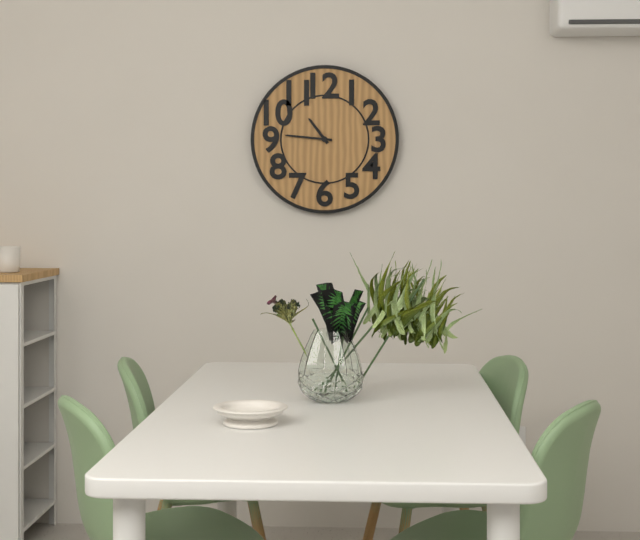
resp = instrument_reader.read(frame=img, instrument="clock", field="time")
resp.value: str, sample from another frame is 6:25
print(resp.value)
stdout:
10:46
